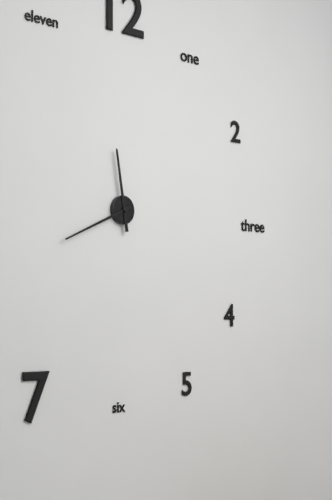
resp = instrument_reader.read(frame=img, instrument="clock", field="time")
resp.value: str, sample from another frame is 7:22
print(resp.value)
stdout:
11:41
